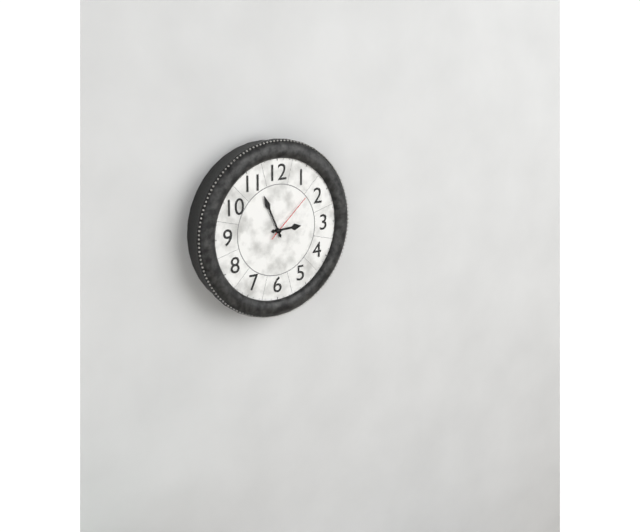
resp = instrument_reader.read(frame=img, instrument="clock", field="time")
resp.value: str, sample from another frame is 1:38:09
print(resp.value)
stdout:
2:56:08
